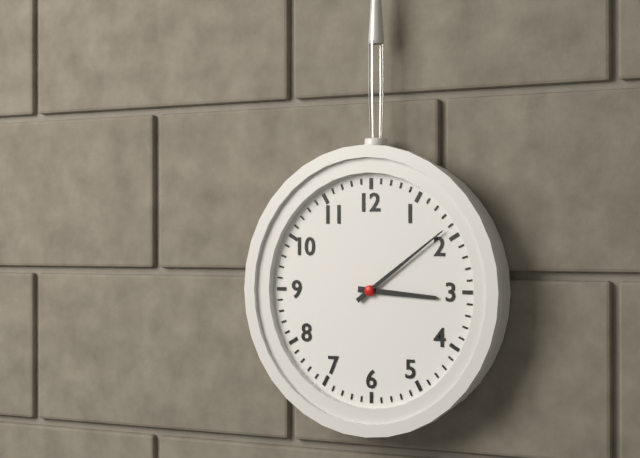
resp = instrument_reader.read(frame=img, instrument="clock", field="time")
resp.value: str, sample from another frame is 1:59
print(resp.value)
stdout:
3:09
